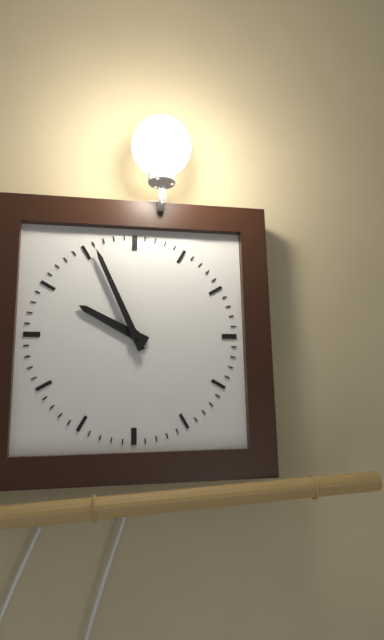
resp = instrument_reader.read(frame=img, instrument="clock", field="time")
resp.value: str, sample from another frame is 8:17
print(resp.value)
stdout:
9:56
